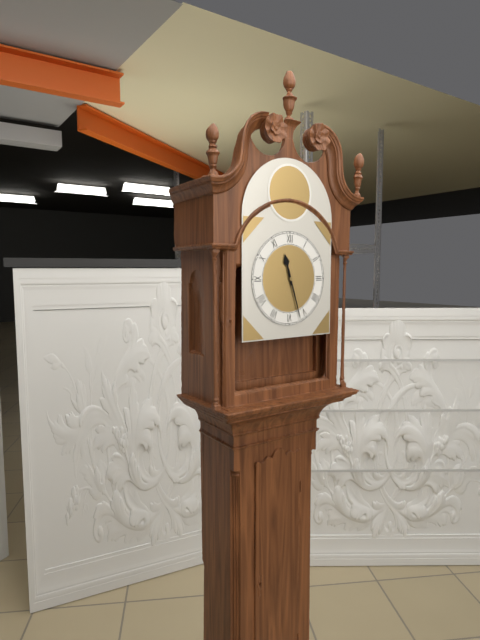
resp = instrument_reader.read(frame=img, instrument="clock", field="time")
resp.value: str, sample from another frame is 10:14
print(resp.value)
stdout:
11:27
